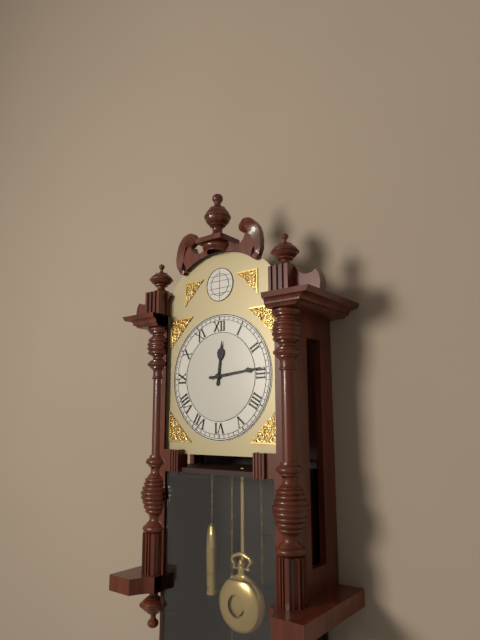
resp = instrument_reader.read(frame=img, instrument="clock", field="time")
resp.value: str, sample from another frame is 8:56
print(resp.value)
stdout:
12:14
